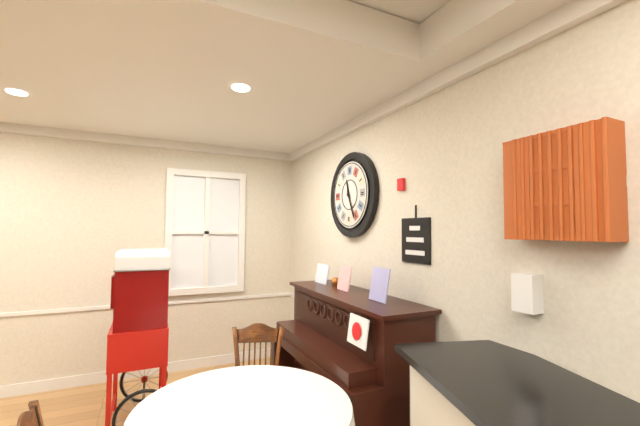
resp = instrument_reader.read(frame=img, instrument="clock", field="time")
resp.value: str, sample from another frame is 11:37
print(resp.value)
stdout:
11:26
